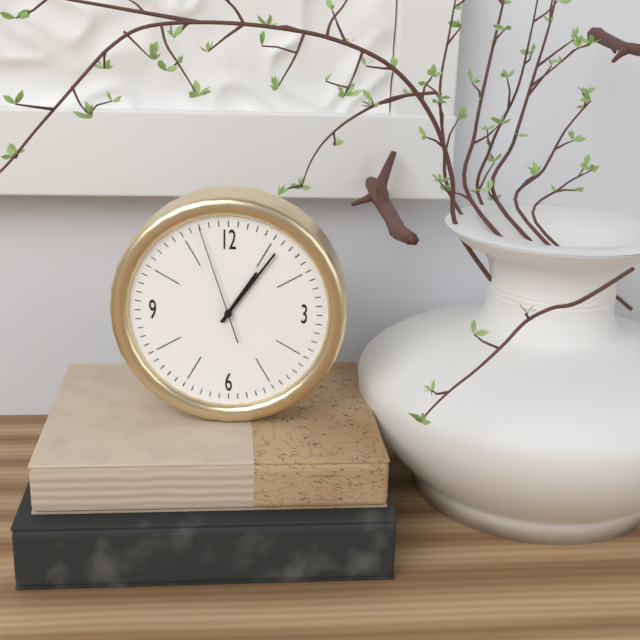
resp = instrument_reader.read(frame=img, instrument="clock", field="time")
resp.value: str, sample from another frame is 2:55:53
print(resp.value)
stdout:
1:06:57
